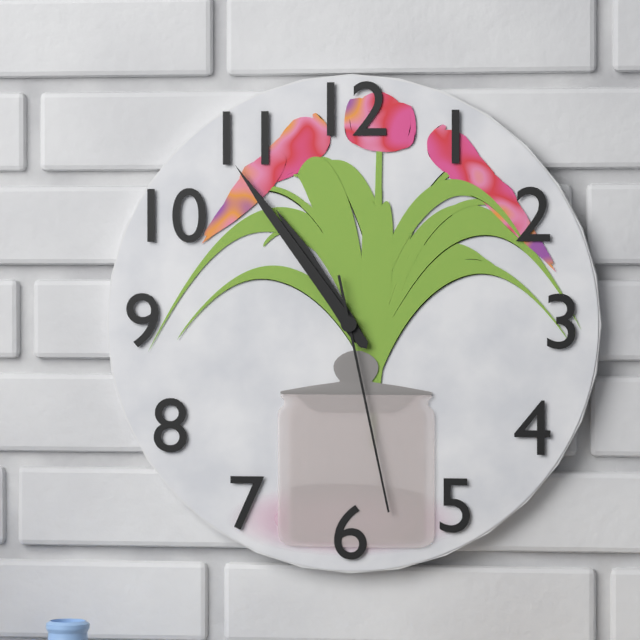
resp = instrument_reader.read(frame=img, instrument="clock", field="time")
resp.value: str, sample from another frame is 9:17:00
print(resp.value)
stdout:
10:54:28
